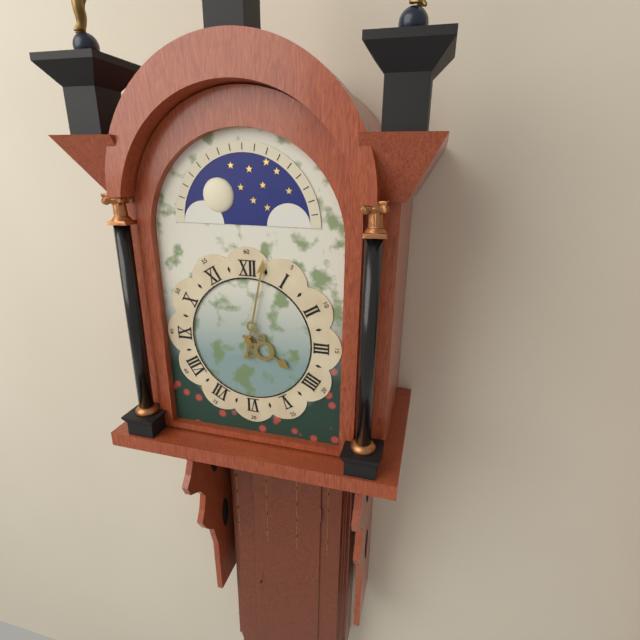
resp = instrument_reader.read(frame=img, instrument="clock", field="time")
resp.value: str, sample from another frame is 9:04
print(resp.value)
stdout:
4:02
